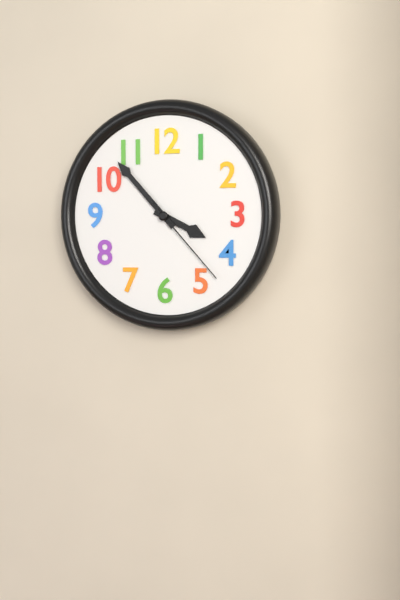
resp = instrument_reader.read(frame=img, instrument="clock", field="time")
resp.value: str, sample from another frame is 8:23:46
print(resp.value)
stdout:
3:53:23
